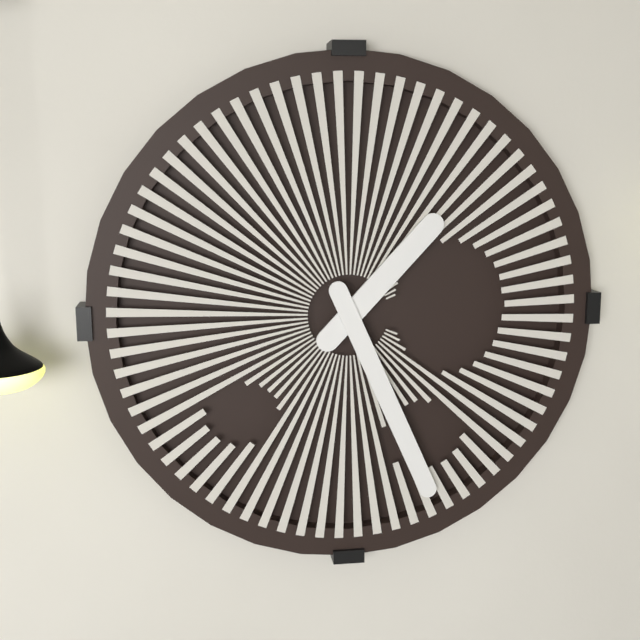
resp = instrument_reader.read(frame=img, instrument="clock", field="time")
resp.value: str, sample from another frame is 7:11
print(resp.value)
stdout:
1:26
